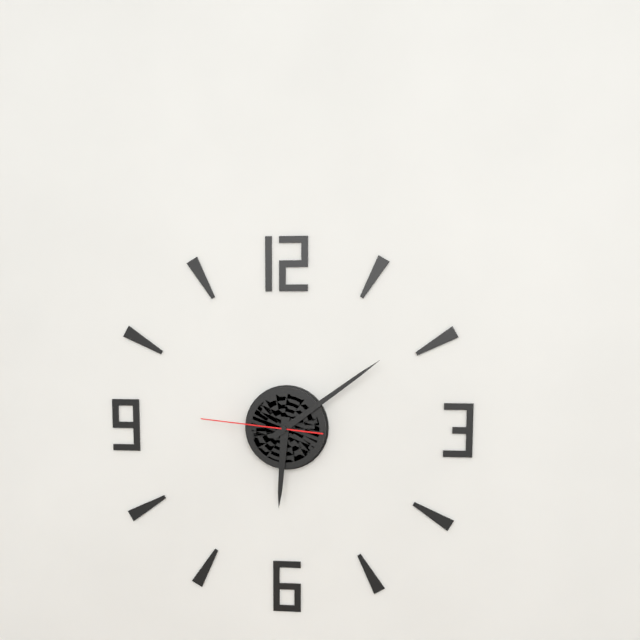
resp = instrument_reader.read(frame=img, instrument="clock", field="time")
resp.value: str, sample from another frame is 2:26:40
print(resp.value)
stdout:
6:09:46
